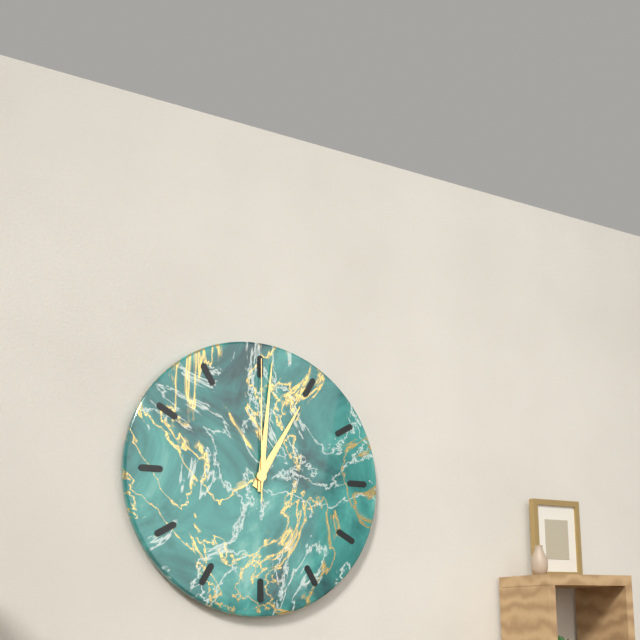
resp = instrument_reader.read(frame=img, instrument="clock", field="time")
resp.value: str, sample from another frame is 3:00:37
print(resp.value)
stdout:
1:01:00
